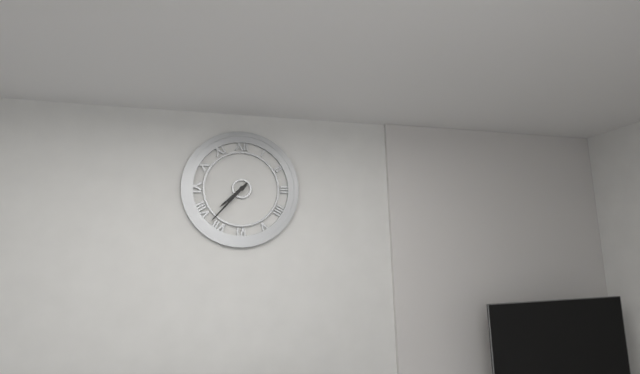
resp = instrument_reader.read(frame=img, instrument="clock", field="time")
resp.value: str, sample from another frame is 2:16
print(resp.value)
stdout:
7:37
